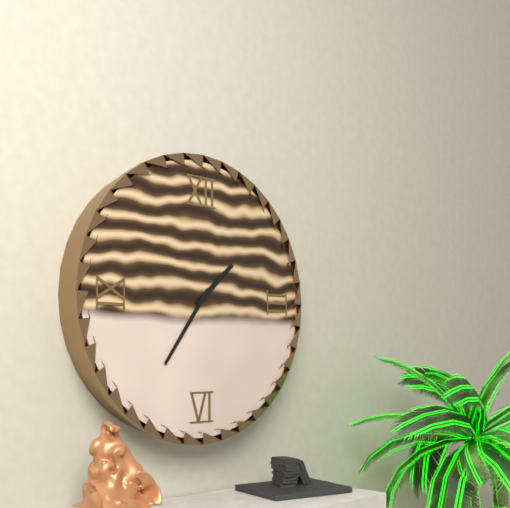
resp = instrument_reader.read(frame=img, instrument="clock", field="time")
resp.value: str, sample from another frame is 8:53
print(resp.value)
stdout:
1:36
